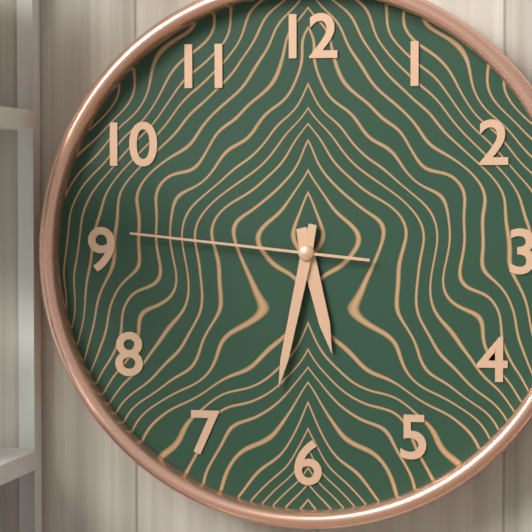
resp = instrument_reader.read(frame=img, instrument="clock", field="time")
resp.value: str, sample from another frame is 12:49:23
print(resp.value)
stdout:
5:32:46
